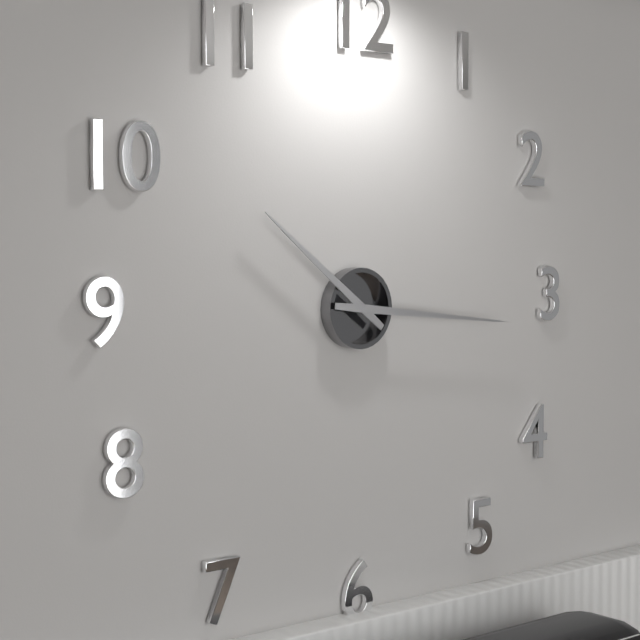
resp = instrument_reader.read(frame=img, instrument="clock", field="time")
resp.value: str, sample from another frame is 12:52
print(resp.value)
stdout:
10:16
